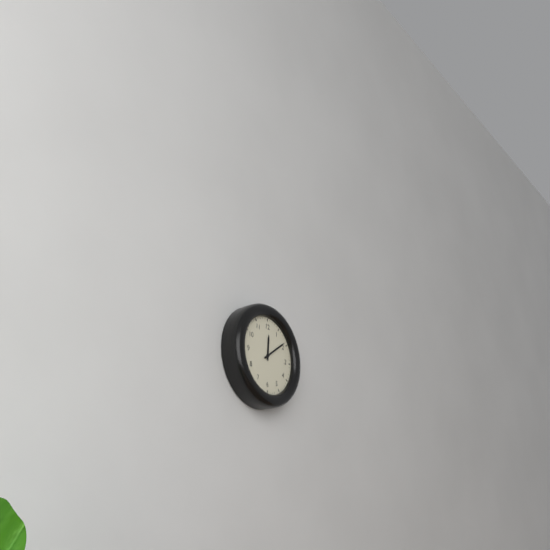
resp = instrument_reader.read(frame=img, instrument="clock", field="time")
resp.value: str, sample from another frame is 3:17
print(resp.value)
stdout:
12:09
